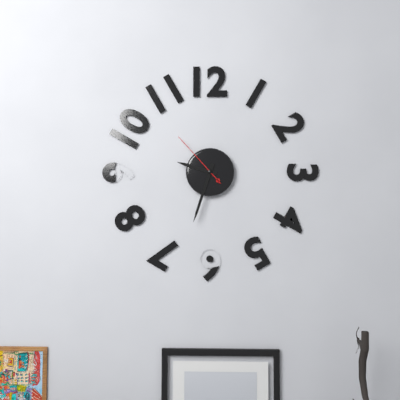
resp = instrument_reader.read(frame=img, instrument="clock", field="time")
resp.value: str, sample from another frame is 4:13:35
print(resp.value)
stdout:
9:33:53
